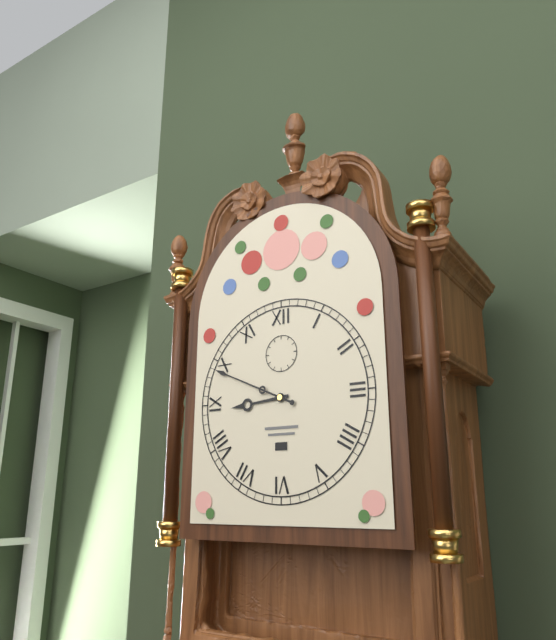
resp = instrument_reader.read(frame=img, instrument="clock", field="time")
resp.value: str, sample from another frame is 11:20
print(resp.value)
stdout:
8:49
